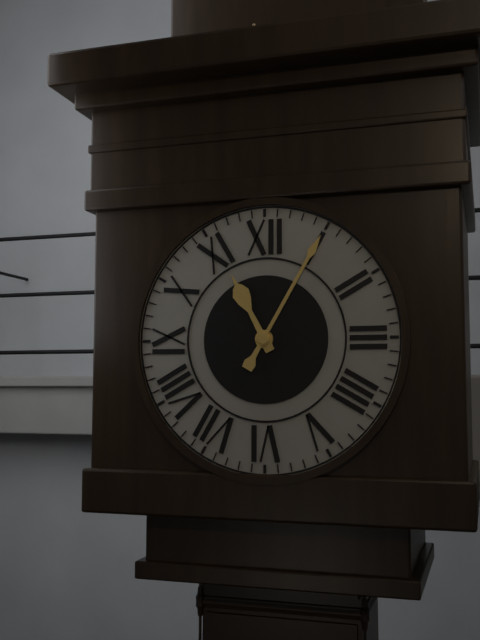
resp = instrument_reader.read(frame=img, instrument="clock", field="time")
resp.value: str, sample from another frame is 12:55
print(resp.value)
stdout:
11:05
